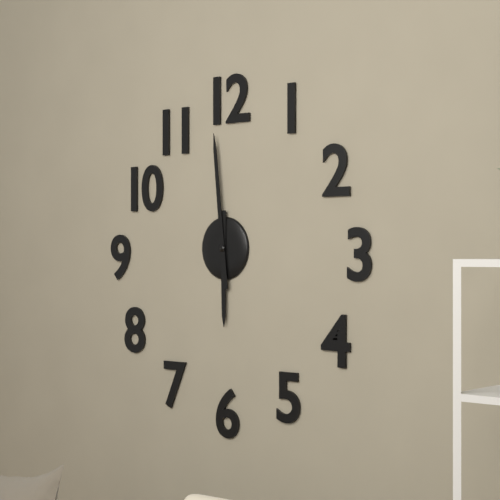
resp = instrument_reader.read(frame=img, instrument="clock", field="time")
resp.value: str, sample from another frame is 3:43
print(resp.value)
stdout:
5:59
